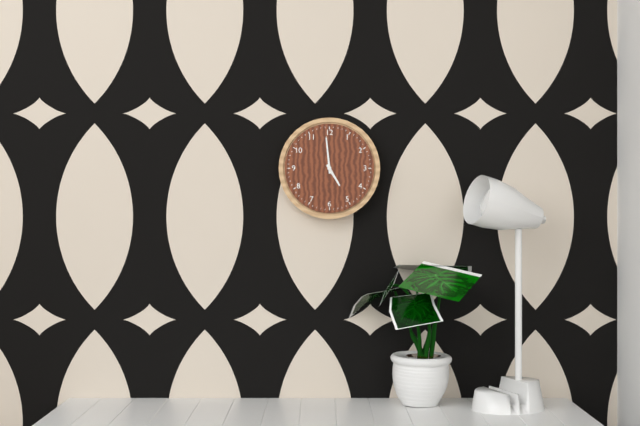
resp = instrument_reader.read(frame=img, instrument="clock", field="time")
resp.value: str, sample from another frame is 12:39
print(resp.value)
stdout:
4:59
